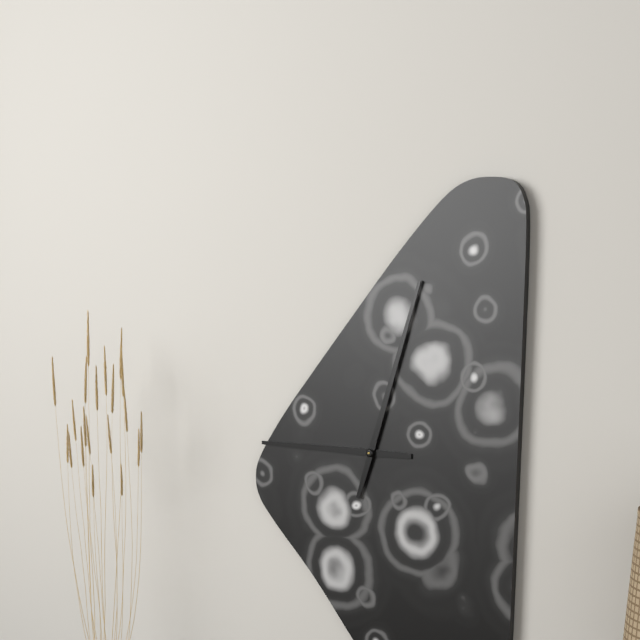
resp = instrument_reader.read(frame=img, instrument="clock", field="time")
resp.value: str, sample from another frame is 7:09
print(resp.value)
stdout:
9:03
